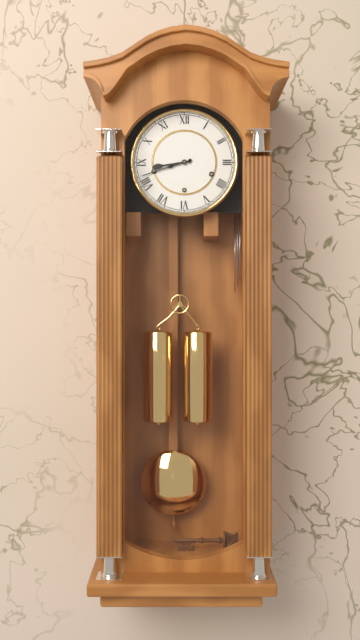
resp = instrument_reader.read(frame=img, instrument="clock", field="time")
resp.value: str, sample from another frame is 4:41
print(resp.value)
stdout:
8:42
